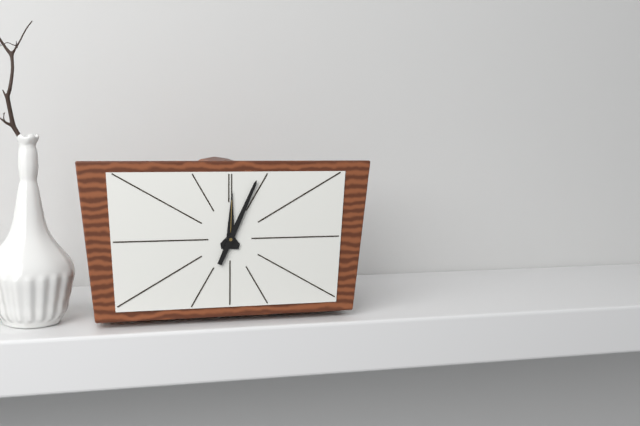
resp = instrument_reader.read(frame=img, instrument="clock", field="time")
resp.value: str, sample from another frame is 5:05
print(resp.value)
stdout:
12:04
